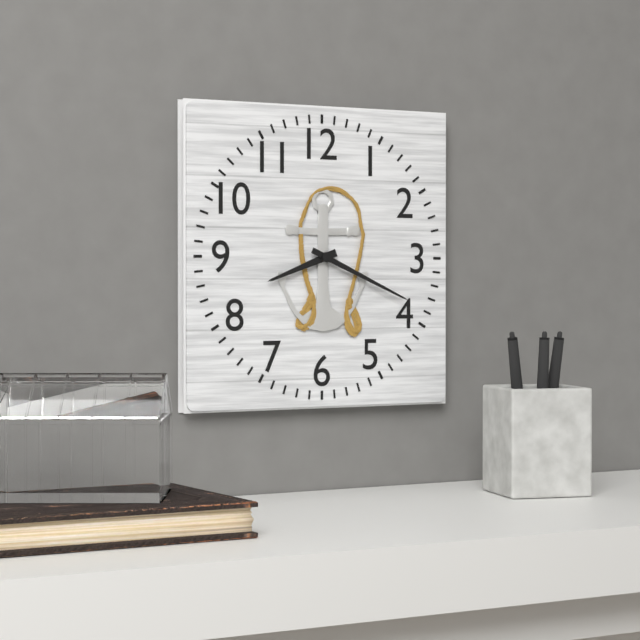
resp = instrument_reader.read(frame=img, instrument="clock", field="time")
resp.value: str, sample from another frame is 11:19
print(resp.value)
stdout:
8:19
